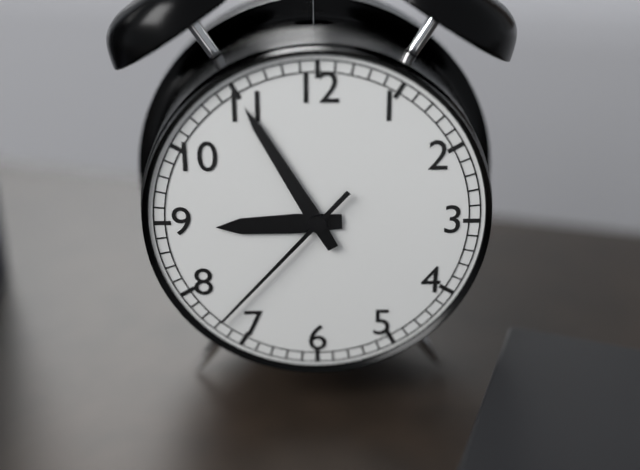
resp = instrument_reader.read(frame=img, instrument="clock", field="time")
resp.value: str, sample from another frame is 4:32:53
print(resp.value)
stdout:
8:55:37
